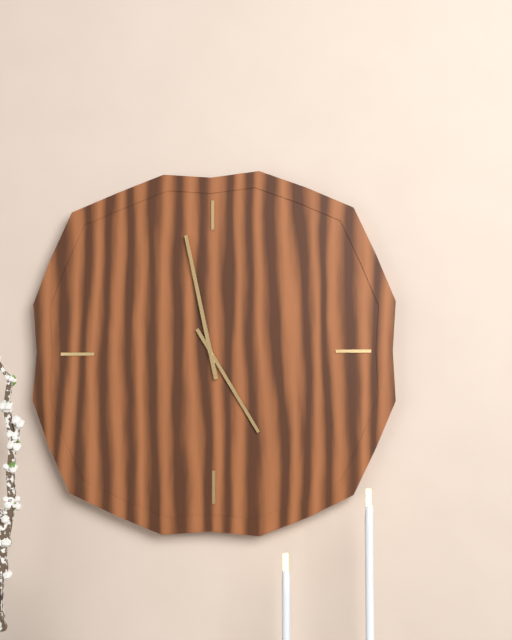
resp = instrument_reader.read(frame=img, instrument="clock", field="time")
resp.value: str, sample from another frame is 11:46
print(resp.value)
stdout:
4:58
